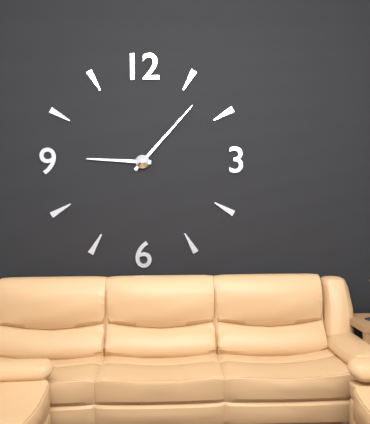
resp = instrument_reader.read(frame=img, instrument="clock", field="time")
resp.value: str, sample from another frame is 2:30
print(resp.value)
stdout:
9:07
